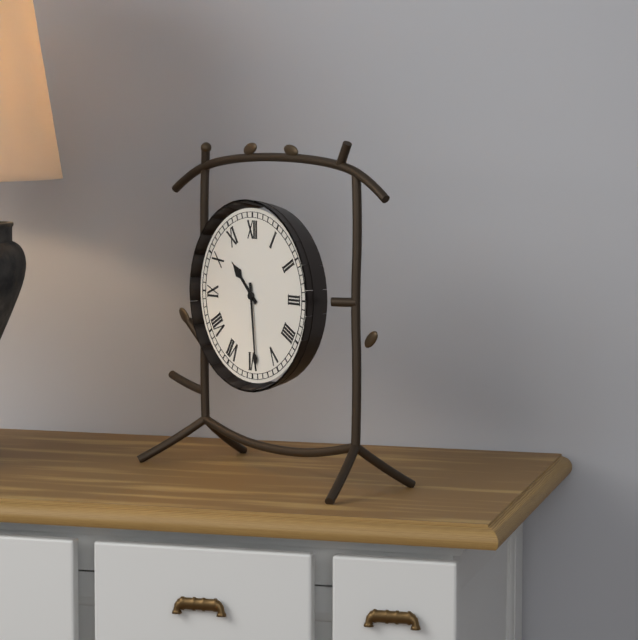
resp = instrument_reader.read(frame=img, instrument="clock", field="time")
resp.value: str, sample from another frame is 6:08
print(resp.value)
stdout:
10:29
